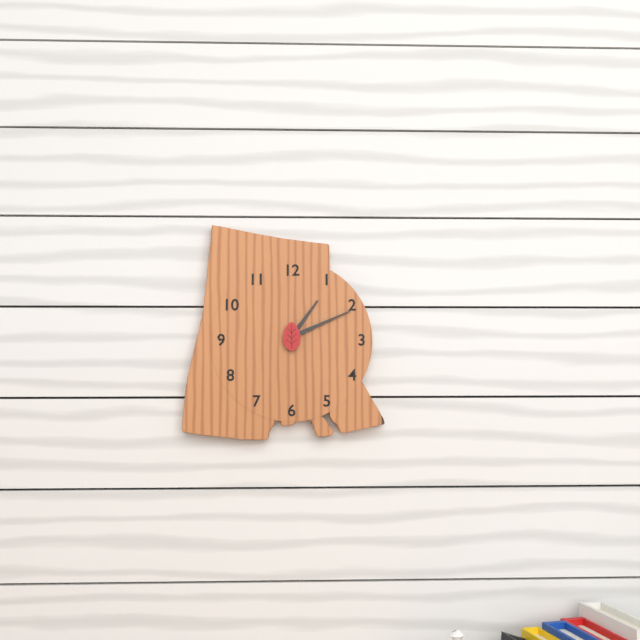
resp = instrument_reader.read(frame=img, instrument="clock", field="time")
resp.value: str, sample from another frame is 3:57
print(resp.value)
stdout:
1:11
